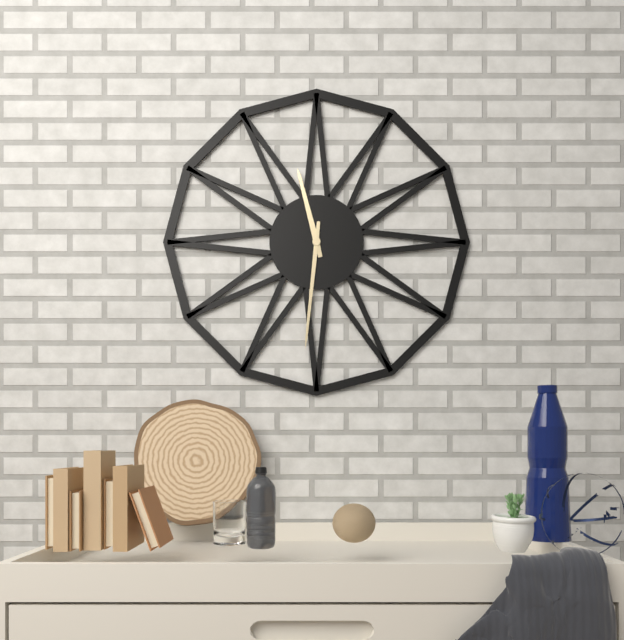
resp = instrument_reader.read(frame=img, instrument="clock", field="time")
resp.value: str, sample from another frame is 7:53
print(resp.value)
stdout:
11:31
